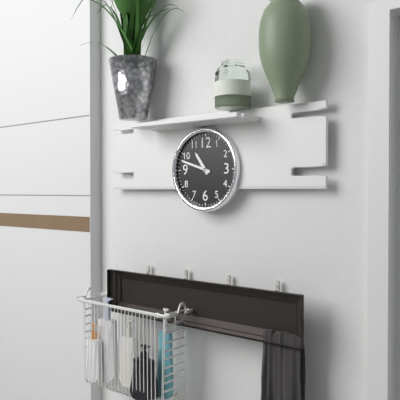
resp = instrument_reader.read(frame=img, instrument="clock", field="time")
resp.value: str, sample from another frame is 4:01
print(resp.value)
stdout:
10:48
